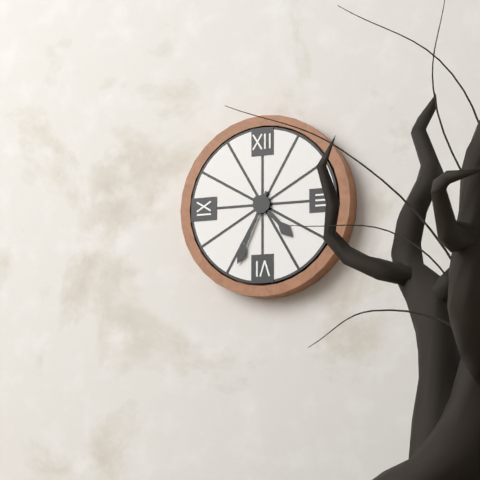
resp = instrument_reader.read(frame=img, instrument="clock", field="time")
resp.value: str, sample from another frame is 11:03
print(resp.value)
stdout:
4:34
